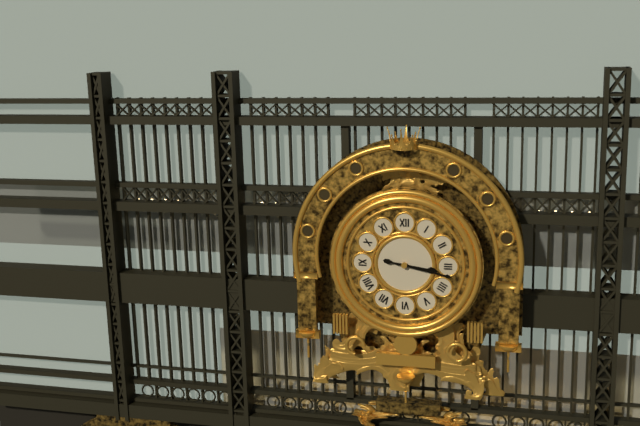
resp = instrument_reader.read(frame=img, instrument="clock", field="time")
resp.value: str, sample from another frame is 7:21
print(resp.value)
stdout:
3:17
